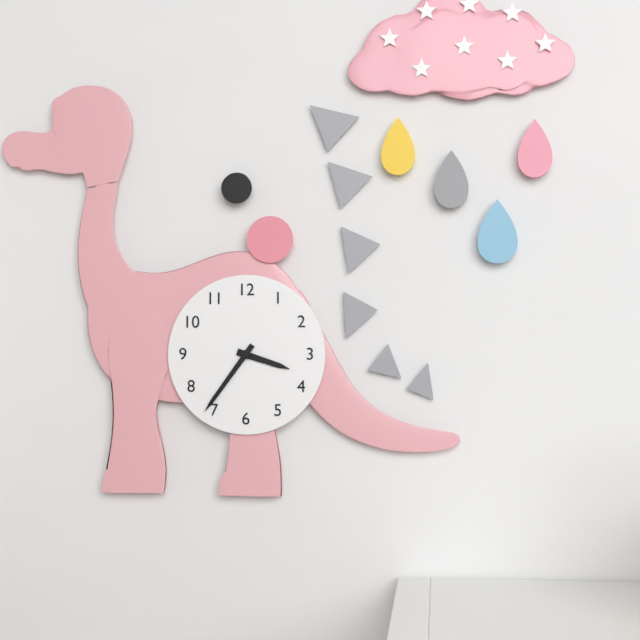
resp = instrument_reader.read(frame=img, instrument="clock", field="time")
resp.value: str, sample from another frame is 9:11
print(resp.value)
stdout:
3:36
